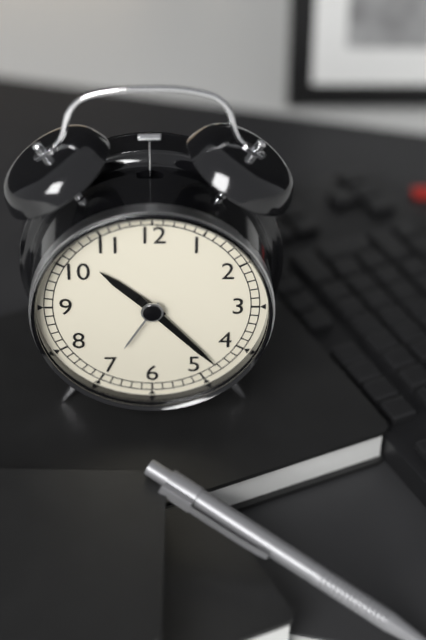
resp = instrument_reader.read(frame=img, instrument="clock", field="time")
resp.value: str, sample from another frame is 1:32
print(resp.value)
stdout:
10:23
